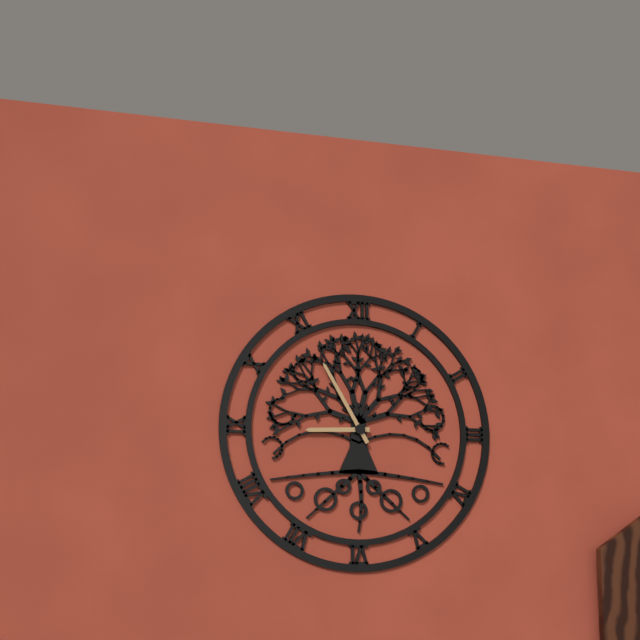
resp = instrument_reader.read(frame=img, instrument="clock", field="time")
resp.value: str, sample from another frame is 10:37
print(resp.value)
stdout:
8:55
